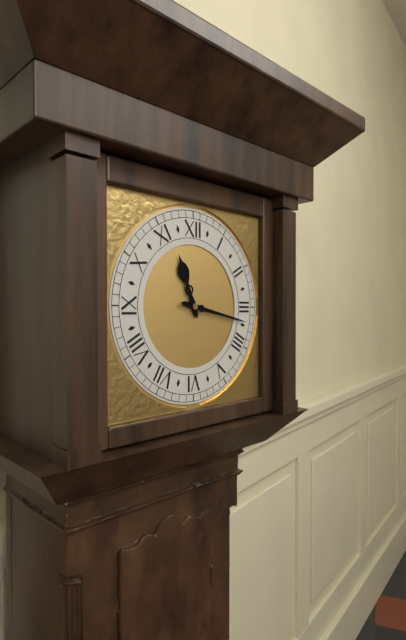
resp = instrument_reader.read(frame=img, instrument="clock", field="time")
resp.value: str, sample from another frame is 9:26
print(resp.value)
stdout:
11:17
